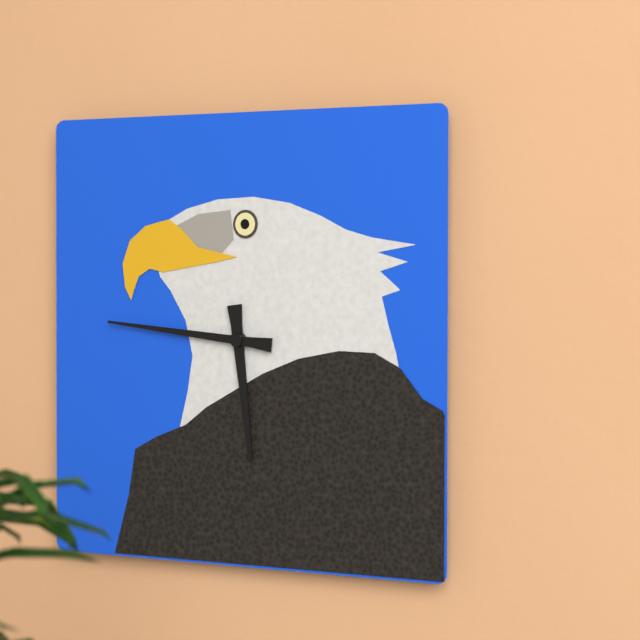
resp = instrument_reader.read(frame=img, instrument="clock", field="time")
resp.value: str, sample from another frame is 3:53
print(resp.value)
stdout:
5:46
